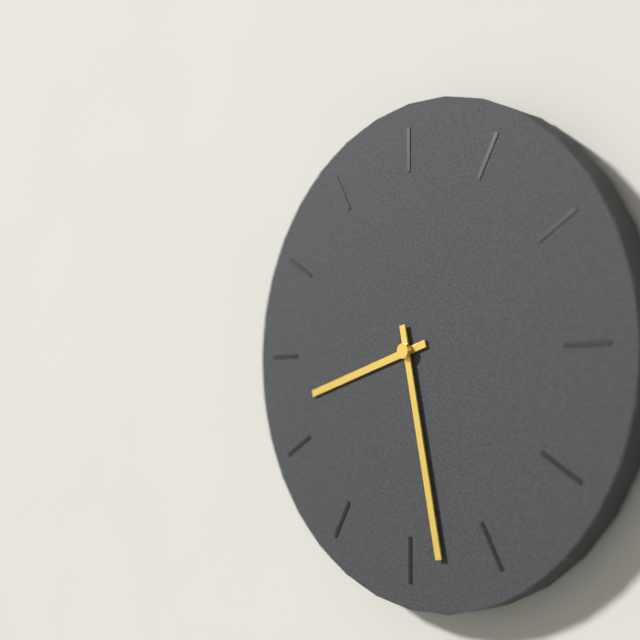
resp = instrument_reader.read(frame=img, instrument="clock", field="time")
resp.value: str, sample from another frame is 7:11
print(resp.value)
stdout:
8:28
